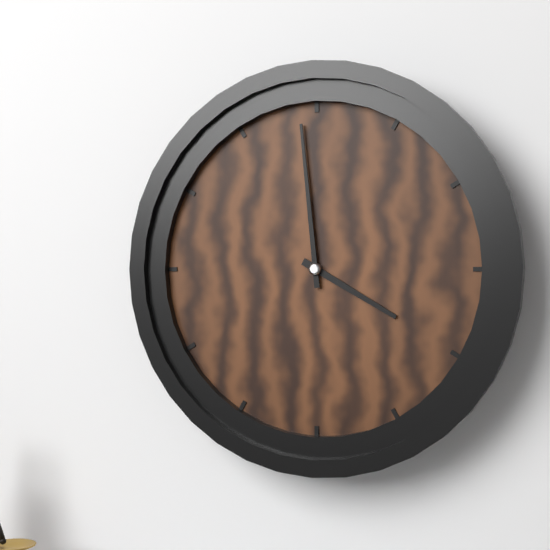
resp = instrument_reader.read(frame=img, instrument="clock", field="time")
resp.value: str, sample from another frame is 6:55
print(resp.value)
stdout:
3:59
